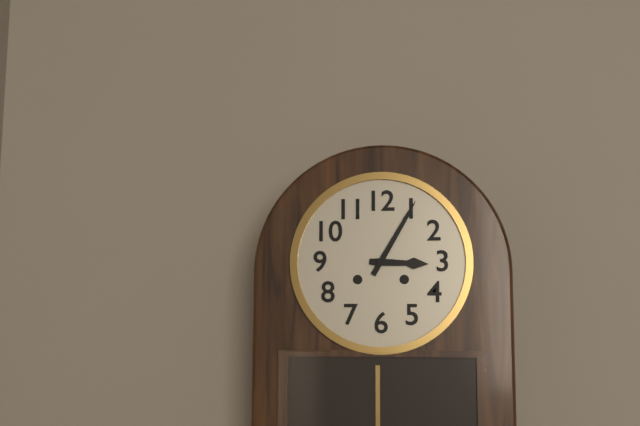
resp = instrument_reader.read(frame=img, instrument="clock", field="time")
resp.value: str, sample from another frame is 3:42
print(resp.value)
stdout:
3:05
